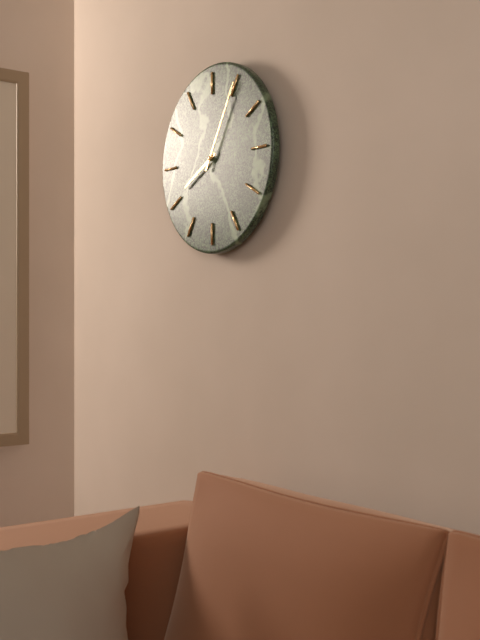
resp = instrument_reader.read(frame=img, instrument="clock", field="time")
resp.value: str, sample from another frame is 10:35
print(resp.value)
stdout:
8:05
